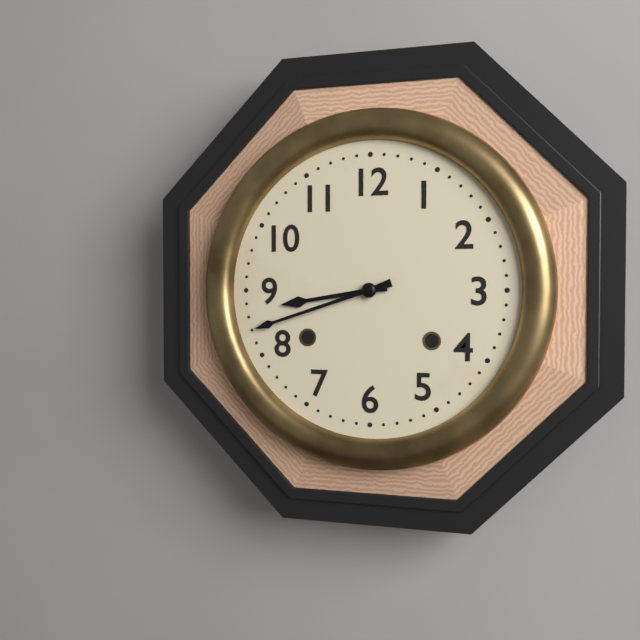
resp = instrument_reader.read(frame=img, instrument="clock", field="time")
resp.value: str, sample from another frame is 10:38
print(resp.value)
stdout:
8:42
